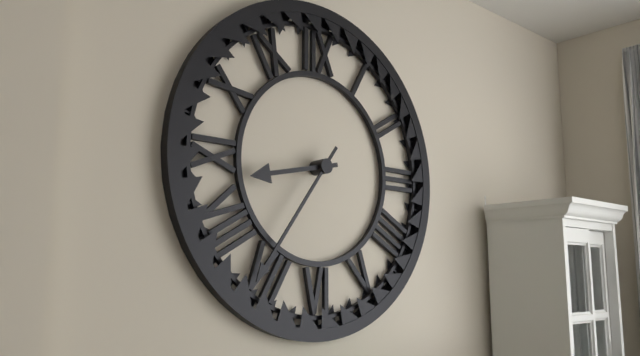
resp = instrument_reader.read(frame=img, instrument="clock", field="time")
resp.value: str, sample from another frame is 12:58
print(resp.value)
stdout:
8:36
